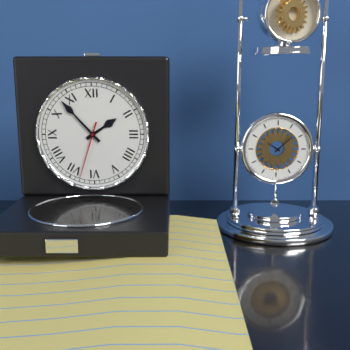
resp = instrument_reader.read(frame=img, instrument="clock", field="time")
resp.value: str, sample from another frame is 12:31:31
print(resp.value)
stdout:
1:53:33
